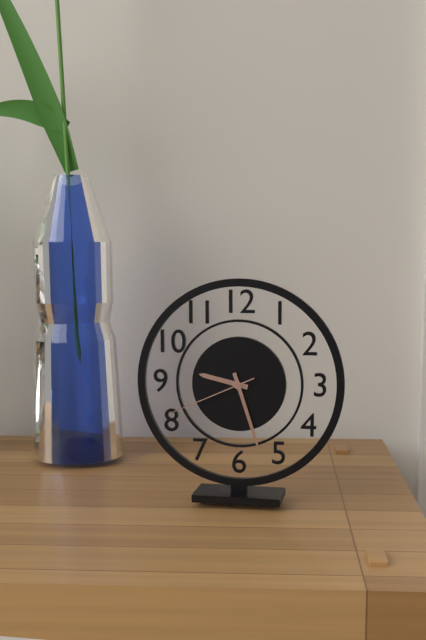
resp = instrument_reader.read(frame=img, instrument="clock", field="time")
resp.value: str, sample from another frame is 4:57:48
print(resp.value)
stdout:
9:27:41
